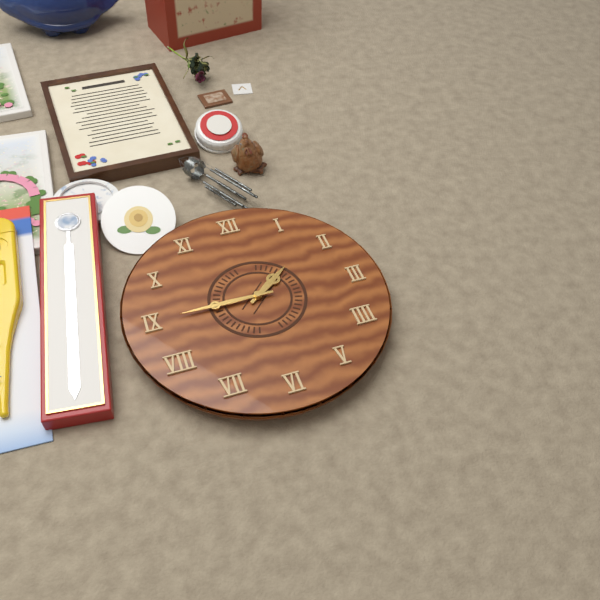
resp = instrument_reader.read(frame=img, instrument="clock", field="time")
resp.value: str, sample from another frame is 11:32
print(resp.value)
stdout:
1:45
